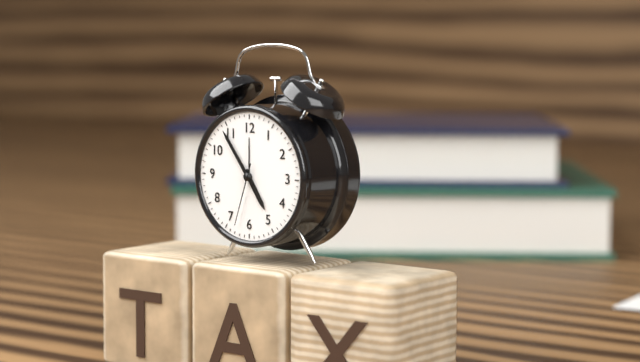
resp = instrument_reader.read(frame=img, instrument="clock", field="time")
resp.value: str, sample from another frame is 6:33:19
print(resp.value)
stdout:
4:54:33
